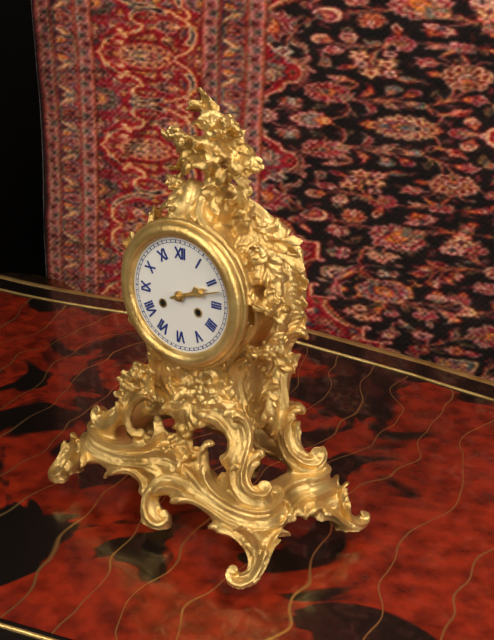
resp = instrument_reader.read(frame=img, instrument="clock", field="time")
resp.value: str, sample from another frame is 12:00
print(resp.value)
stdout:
2:12
